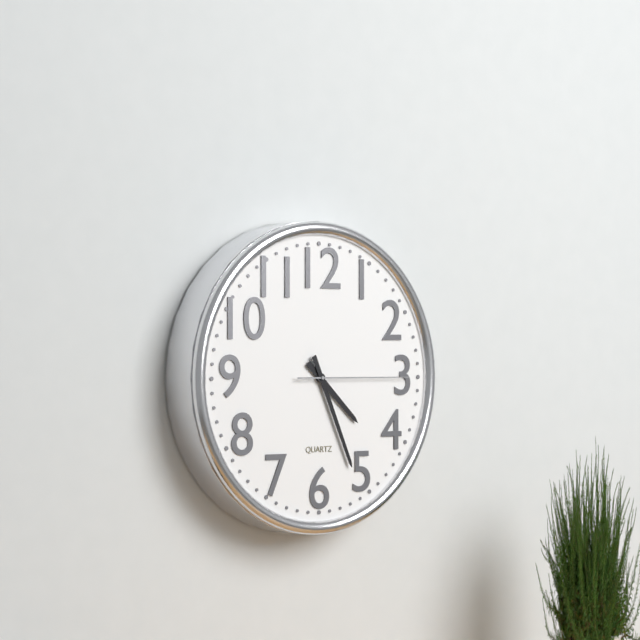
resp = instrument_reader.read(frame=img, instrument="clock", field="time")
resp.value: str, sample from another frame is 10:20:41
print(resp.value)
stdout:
4:26:15
